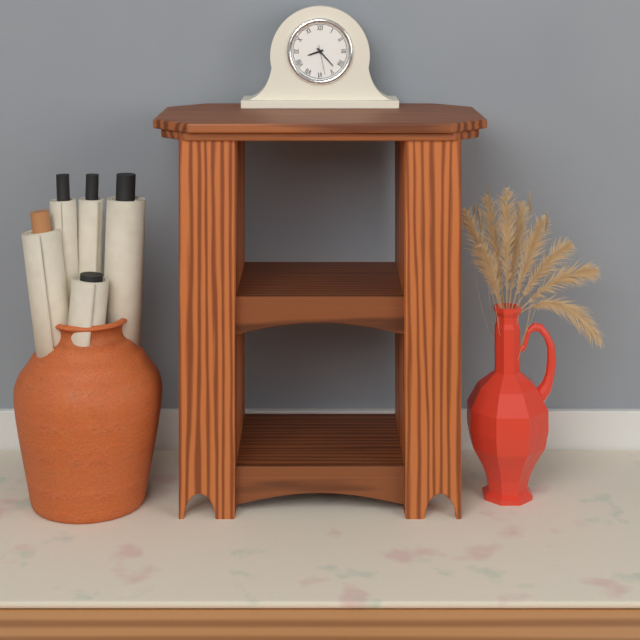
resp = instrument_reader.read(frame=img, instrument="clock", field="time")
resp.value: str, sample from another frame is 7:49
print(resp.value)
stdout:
8:23
